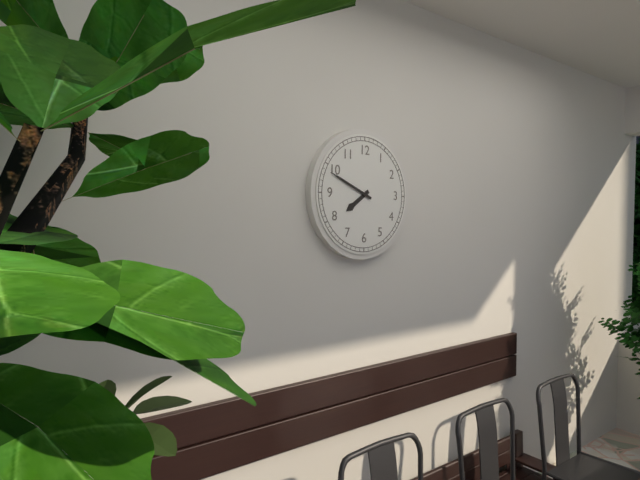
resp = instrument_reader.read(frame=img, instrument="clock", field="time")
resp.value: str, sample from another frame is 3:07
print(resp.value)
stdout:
7:49
